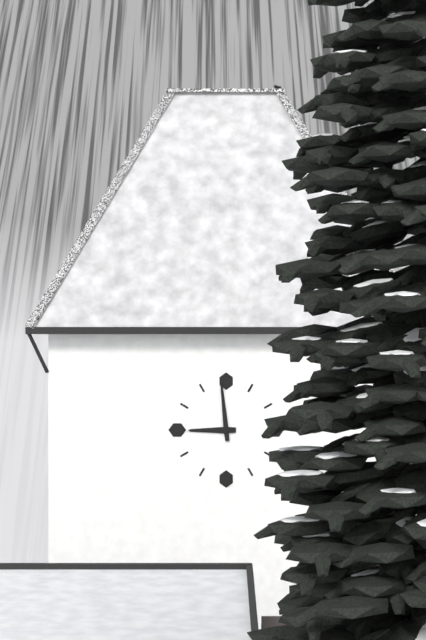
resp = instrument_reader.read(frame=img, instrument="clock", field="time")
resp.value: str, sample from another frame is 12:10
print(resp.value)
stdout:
8:59
